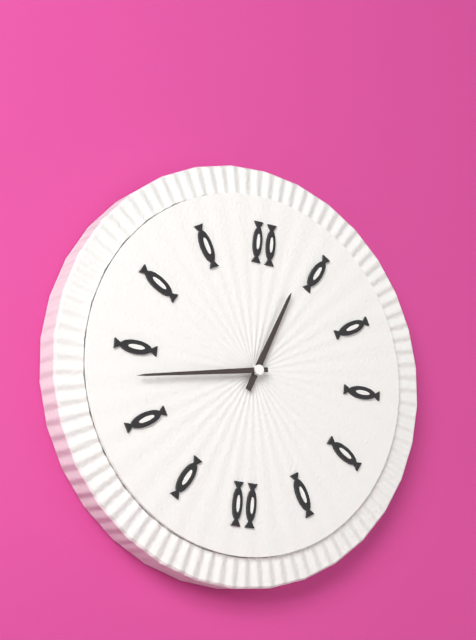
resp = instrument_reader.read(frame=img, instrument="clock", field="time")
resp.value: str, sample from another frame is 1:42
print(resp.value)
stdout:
12:43
